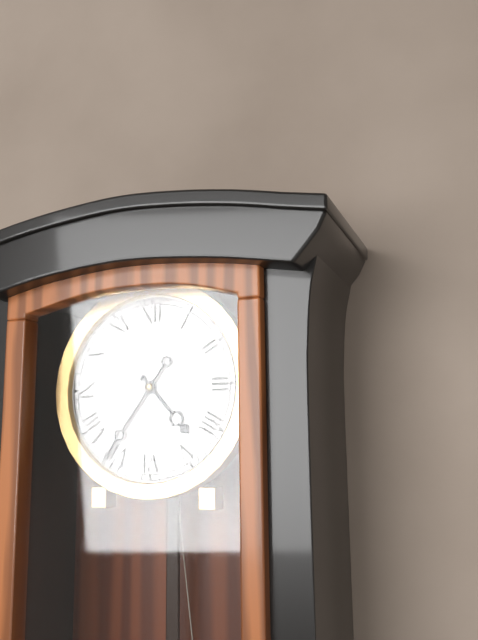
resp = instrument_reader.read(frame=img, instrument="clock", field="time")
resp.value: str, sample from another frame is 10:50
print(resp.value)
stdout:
4:36
